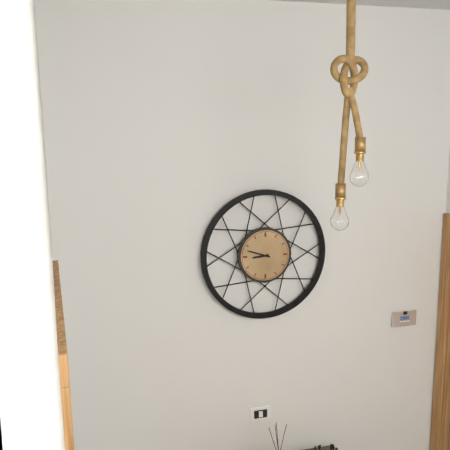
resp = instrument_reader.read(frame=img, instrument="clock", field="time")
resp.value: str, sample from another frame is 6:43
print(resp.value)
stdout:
8:48
